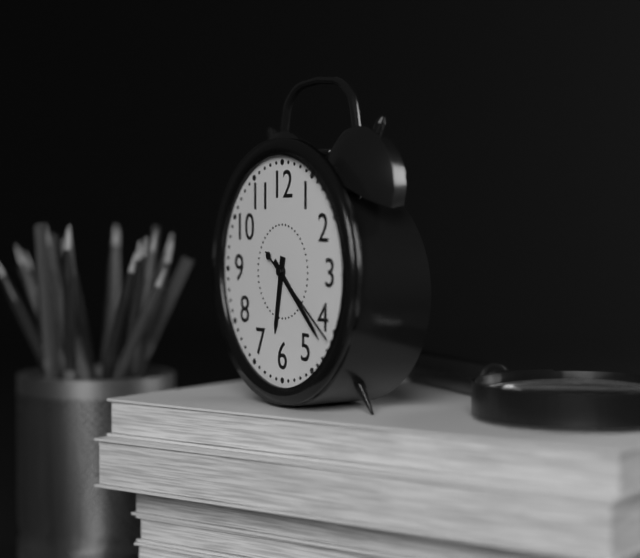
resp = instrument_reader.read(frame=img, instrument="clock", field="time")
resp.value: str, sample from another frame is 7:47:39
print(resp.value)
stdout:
6:22:21
